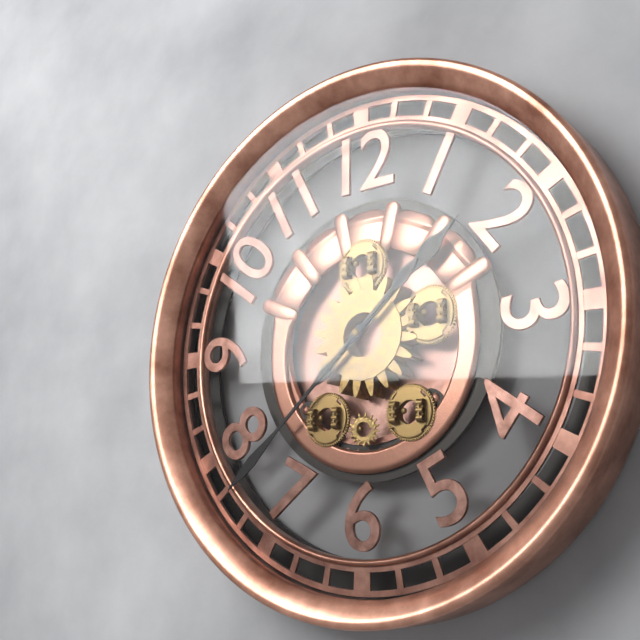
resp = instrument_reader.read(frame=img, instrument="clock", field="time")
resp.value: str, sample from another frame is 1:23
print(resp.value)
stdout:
1:38
